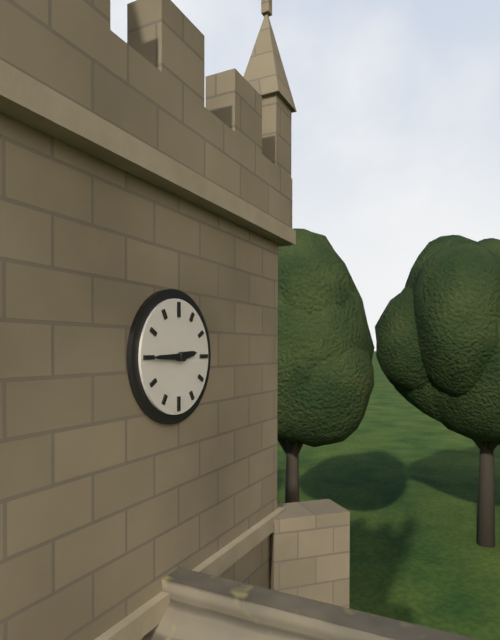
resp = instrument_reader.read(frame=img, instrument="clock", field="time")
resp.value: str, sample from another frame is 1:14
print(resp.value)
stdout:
2:45
